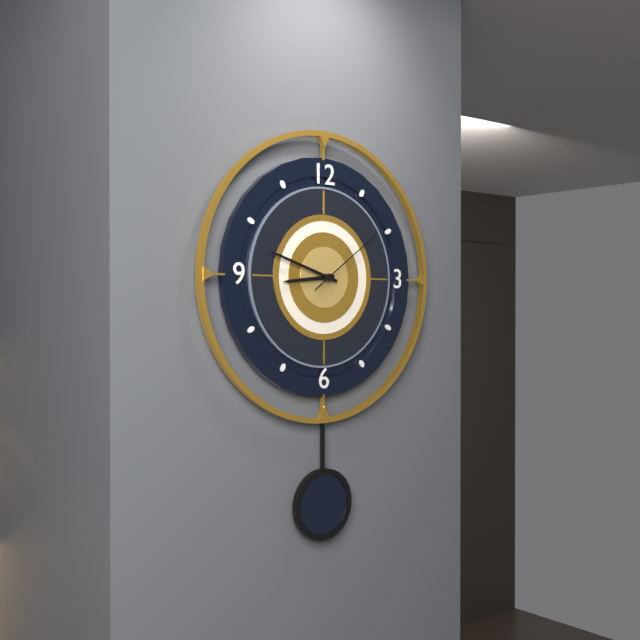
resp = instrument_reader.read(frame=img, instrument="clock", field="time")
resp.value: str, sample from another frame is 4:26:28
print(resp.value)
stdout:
8:48:09
